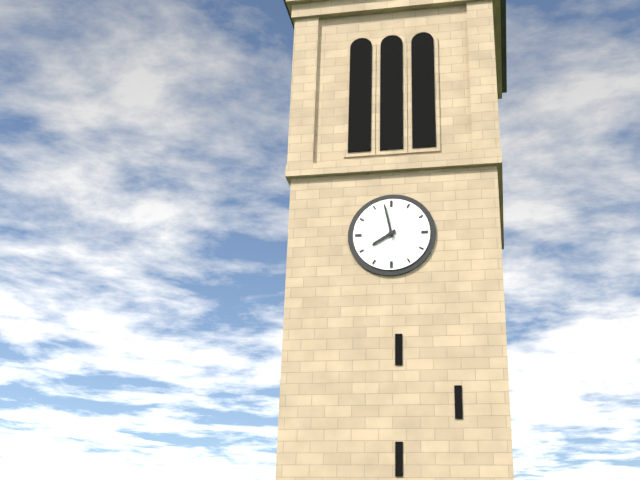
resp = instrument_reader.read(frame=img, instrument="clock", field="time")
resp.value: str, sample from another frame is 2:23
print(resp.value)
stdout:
7:58
